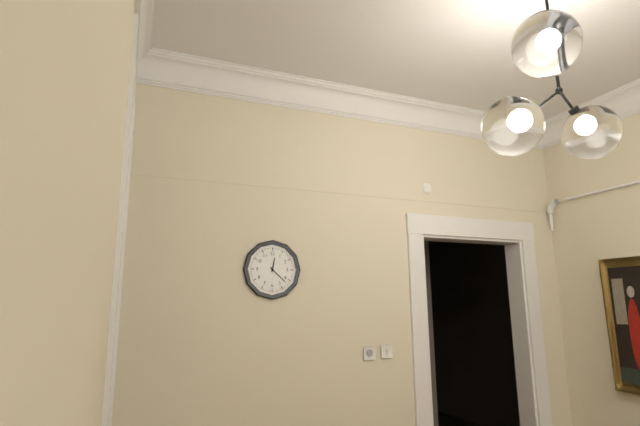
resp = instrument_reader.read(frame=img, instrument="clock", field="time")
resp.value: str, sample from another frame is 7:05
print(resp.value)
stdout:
12:22
